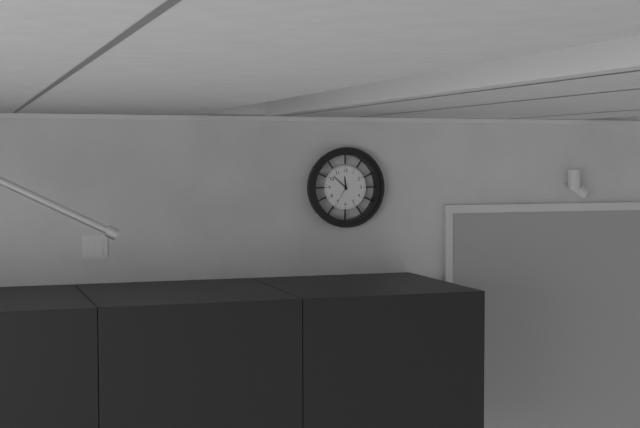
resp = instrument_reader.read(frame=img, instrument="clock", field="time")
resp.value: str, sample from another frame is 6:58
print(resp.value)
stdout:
11:52
